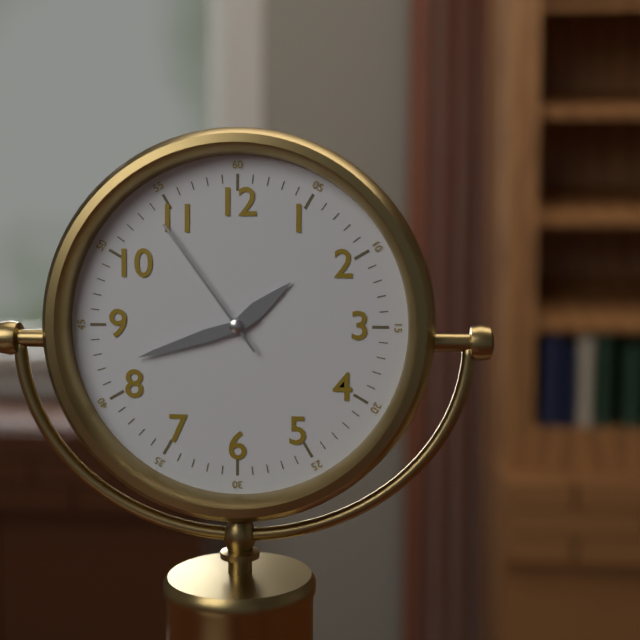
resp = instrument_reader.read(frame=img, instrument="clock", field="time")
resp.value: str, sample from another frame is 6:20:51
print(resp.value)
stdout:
1:42:54
